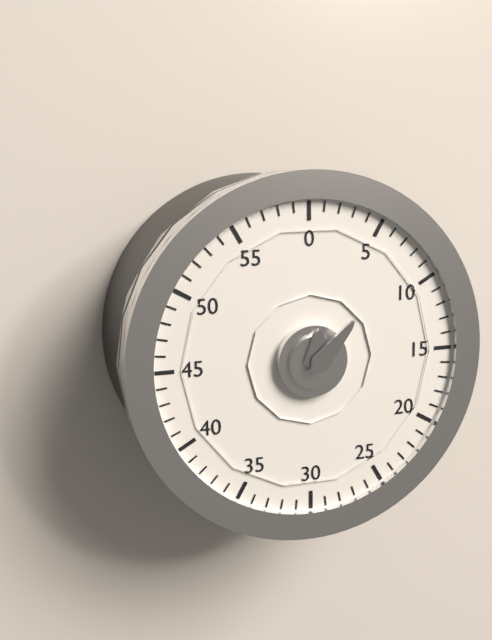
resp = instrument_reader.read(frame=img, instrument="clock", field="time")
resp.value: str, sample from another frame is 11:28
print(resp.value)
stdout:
12:07
